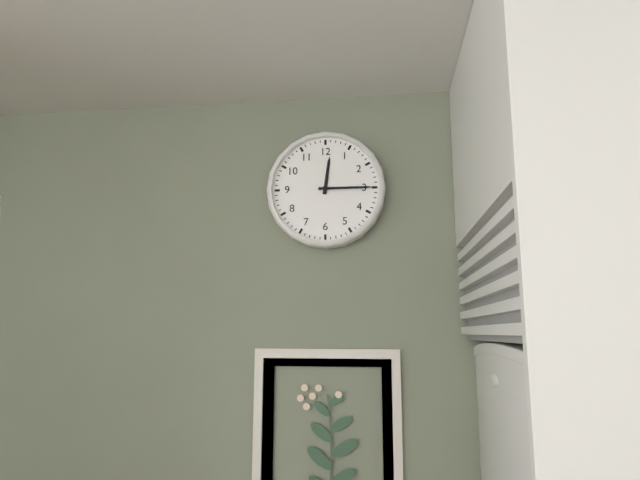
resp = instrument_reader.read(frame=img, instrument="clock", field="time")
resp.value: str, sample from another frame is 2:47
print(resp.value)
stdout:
12:15
